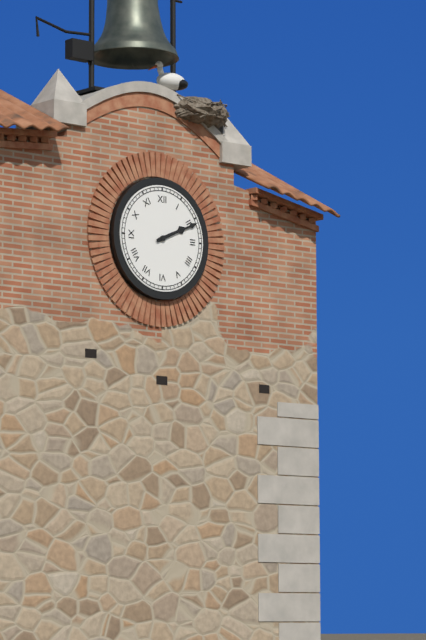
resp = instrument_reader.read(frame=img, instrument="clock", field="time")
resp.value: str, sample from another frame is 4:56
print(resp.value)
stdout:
2:11
